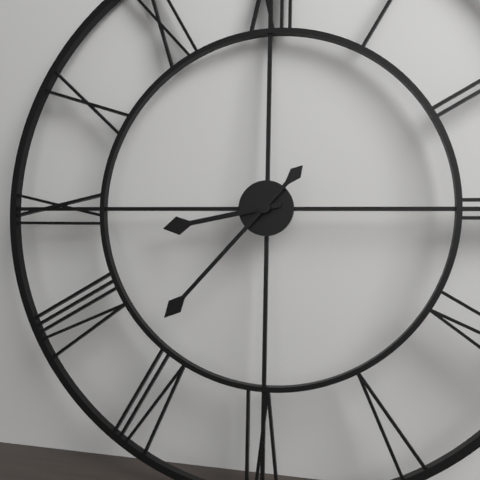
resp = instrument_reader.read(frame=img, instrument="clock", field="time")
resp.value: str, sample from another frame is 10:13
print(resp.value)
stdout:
8:37
